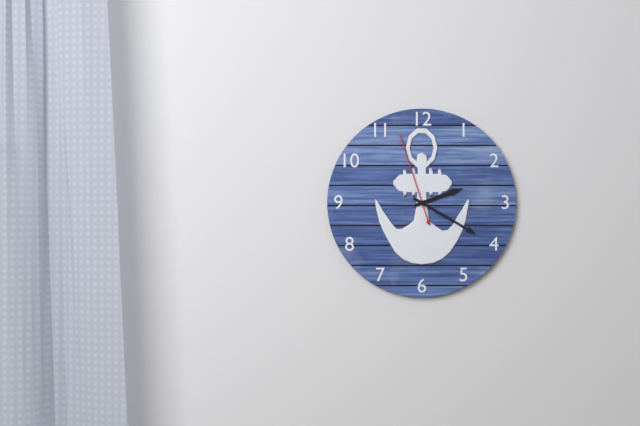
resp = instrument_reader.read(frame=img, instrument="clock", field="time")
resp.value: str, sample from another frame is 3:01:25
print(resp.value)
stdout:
2:20:57
